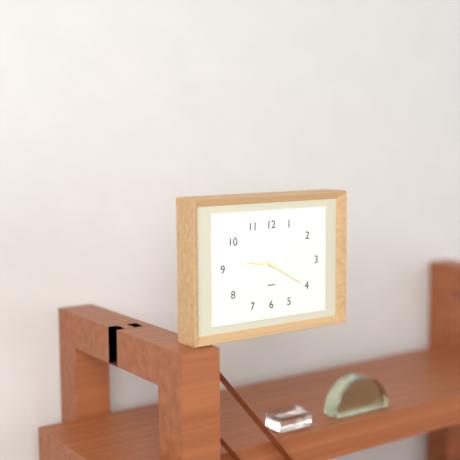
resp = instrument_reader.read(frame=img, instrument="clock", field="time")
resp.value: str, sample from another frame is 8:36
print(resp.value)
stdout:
9:20
